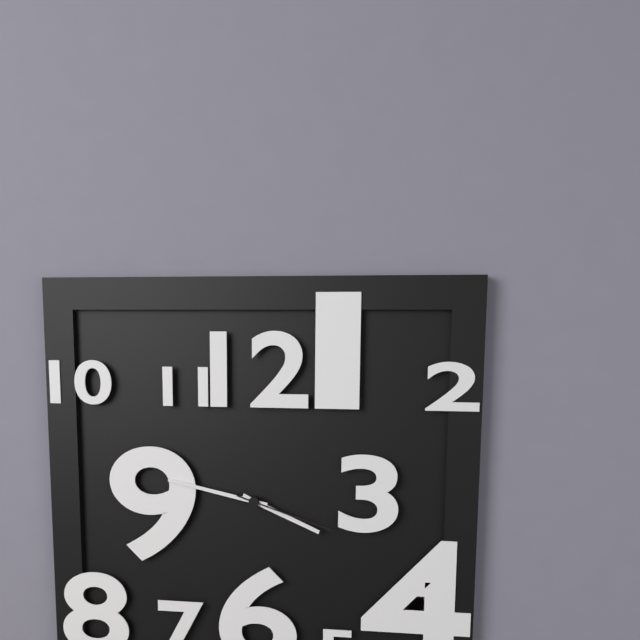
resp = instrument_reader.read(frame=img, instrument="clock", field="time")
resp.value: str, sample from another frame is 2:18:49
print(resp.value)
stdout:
3:47:18
